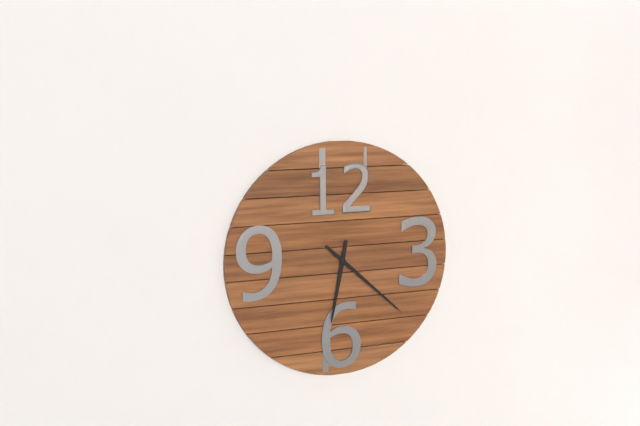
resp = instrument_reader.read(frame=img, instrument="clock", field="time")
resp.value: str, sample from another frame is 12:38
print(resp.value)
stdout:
6:22
